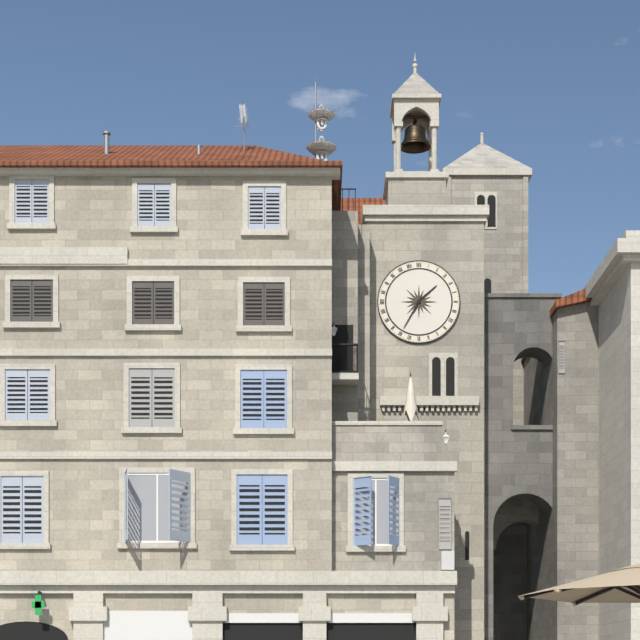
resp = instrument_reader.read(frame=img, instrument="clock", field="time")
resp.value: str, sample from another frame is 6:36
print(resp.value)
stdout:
1:35
